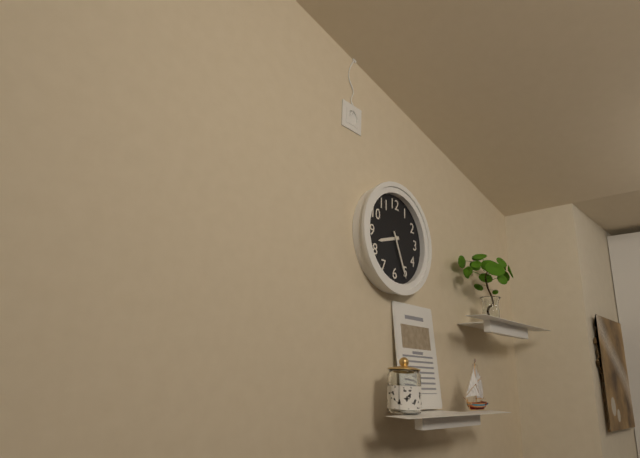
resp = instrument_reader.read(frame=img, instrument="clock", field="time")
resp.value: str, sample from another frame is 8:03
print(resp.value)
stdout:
8:26
